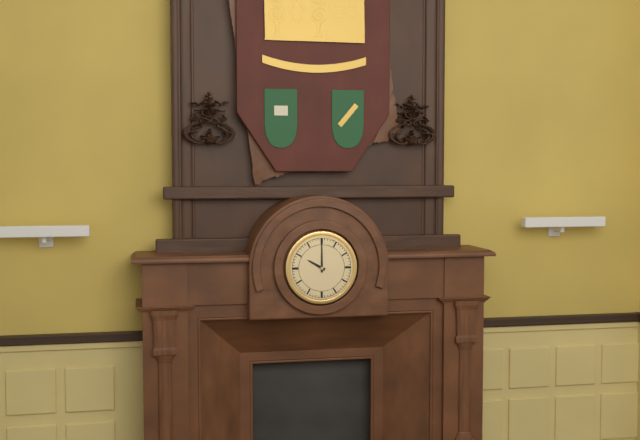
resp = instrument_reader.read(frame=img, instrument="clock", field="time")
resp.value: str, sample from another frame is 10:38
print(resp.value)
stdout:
10:00
